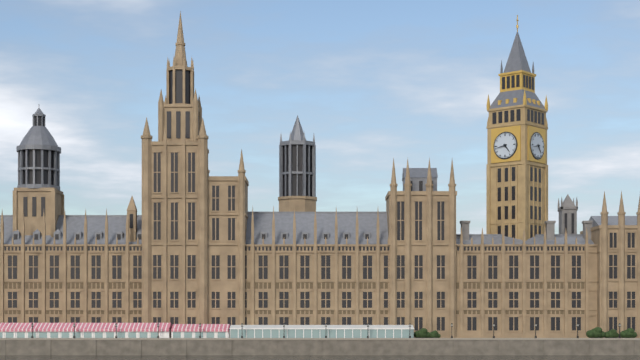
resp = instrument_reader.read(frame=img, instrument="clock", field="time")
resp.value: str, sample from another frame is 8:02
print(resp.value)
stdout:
4:43
